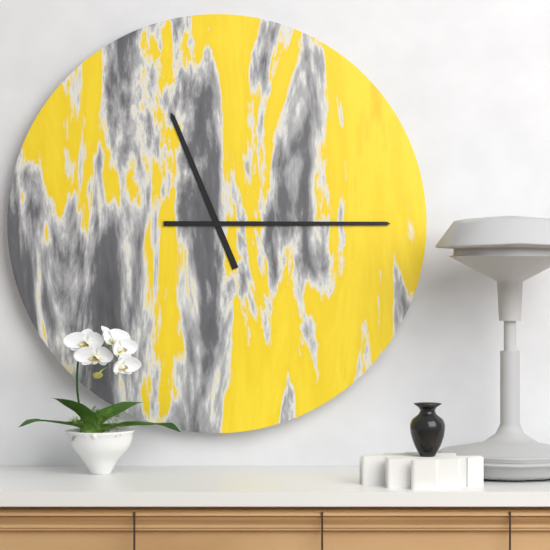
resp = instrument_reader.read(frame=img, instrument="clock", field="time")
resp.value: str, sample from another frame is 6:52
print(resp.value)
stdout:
11:15
